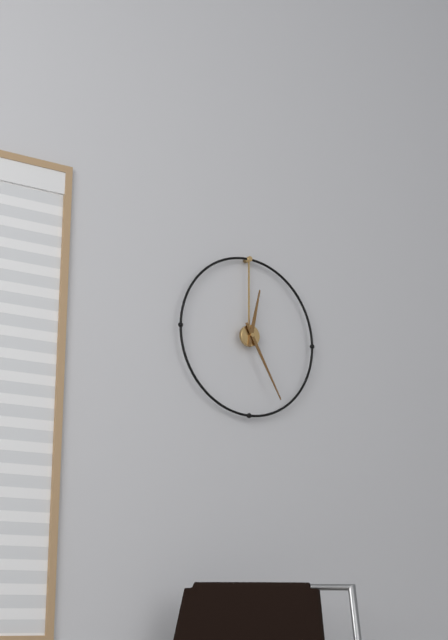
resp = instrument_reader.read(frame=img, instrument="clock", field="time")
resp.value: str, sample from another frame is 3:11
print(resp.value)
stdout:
12:25
